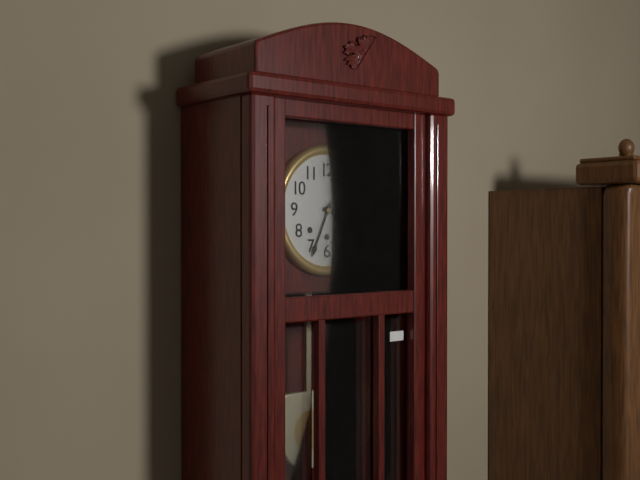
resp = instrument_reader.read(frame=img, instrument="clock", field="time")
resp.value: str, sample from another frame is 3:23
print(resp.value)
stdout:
3:34
